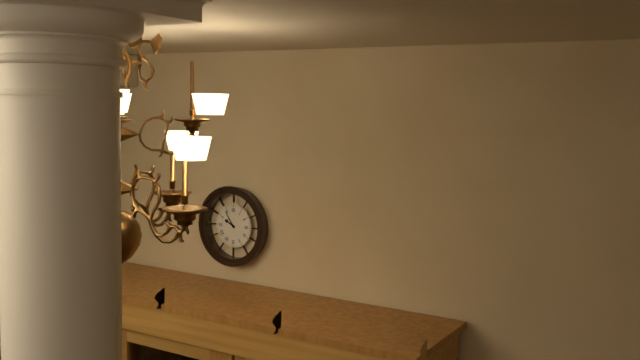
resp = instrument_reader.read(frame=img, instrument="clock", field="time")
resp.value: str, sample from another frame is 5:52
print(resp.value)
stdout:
9:54
